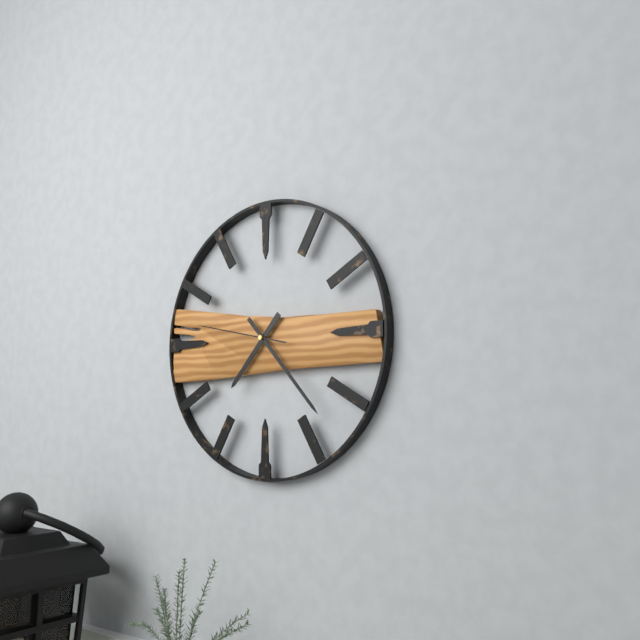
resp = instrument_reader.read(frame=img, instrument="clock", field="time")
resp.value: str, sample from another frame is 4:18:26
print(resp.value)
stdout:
7:23:47
